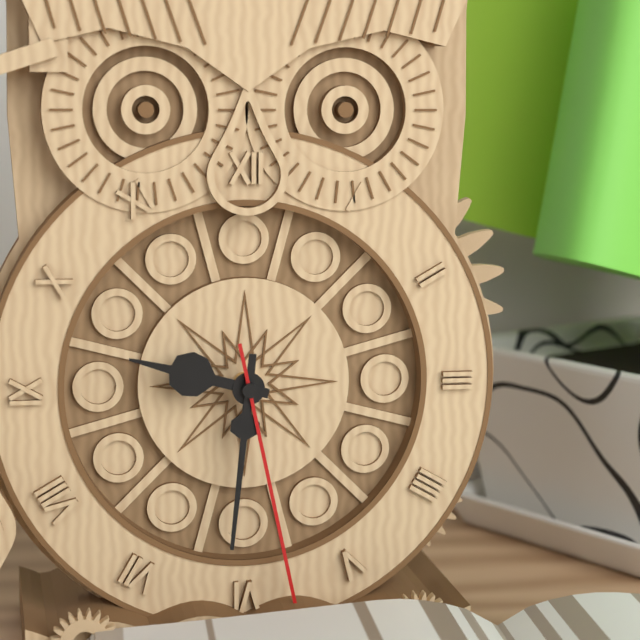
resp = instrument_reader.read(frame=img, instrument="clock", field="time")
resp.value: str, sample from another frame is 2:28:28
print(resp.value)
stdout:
9:31:28
